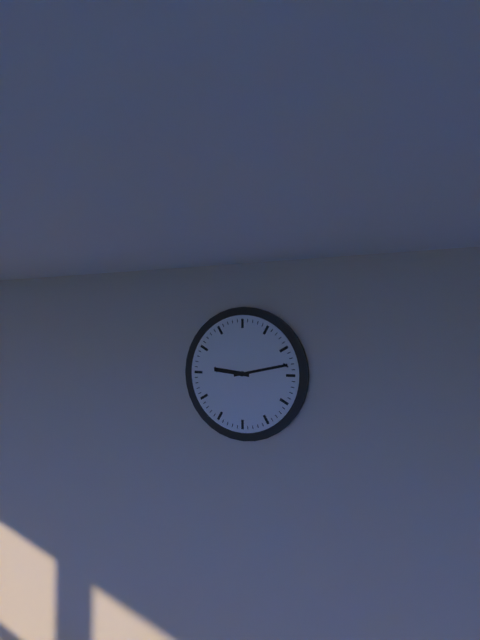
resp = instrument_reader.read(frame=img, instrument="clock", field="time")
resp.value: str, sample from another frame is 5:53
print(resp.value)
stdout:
9:13
